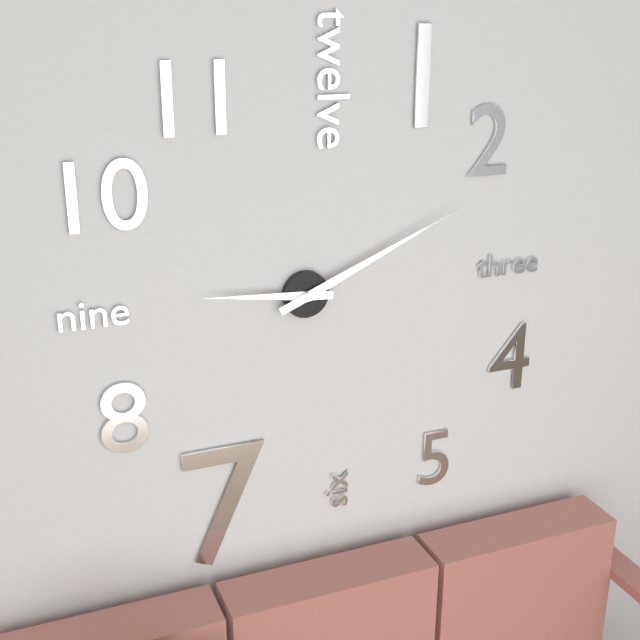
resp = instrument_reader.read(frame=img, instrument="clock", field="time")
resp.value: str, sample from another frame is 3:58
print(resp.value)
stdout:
9:11
